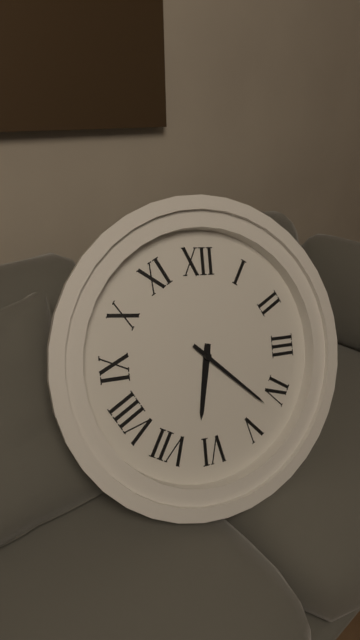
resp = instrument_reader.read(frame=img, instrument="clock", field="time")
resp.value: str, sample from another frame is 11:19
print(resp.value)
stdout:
6:22
